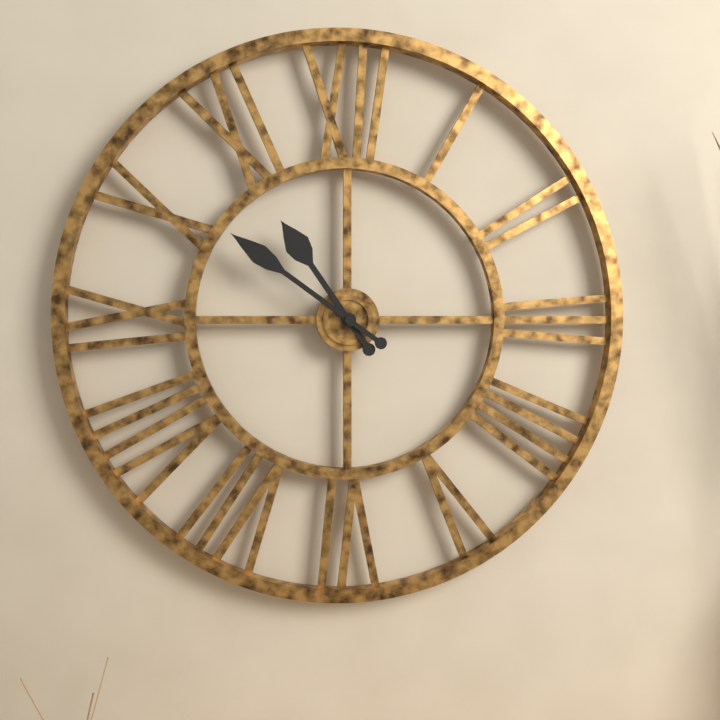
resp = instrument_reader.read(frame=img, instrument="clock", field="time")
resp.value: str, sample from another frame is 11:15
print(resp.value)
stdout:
10:51
